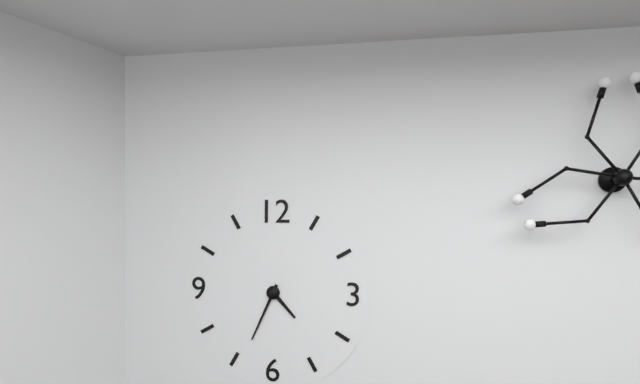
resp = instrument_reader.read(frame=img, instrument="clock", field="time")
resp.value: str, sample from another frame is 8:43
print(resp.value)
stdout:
4:34
